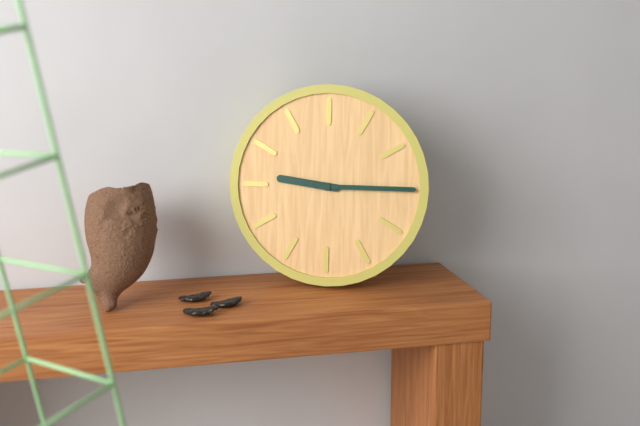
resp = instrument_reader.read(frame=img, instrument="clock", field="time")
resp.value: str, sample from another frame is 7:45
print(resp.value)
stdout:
9:15
